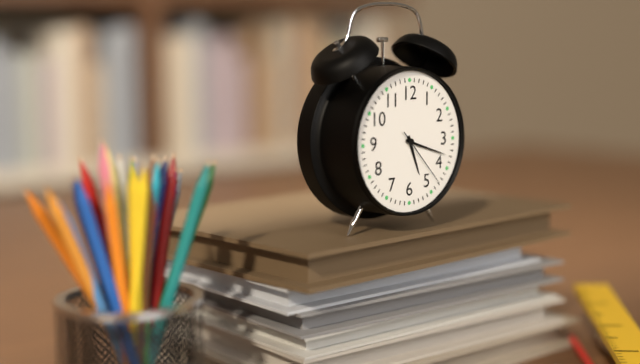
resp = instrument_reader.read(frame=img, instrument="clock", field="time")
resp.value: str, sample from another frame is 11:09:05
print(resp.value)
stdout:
5:18:23
